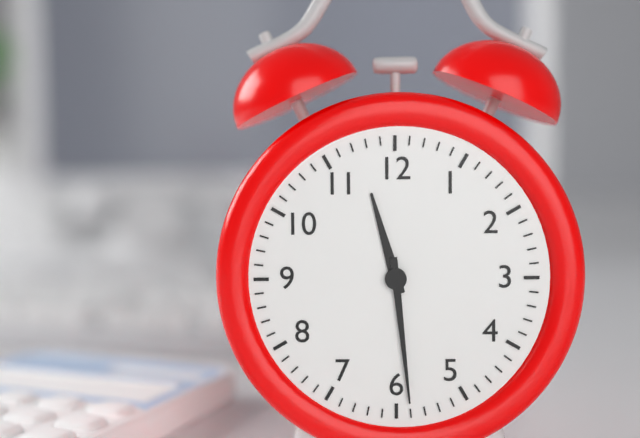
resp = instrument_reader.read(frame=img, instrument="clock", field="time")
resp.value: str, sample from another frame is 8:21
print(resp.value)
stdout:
11:29
